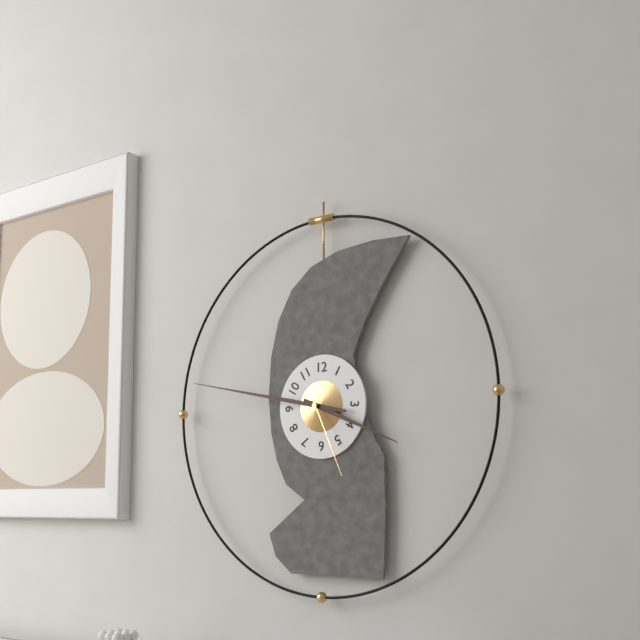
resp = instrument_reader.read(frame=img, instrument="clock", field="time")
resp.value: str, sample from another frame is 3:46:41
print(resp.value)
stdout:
3:47:26
